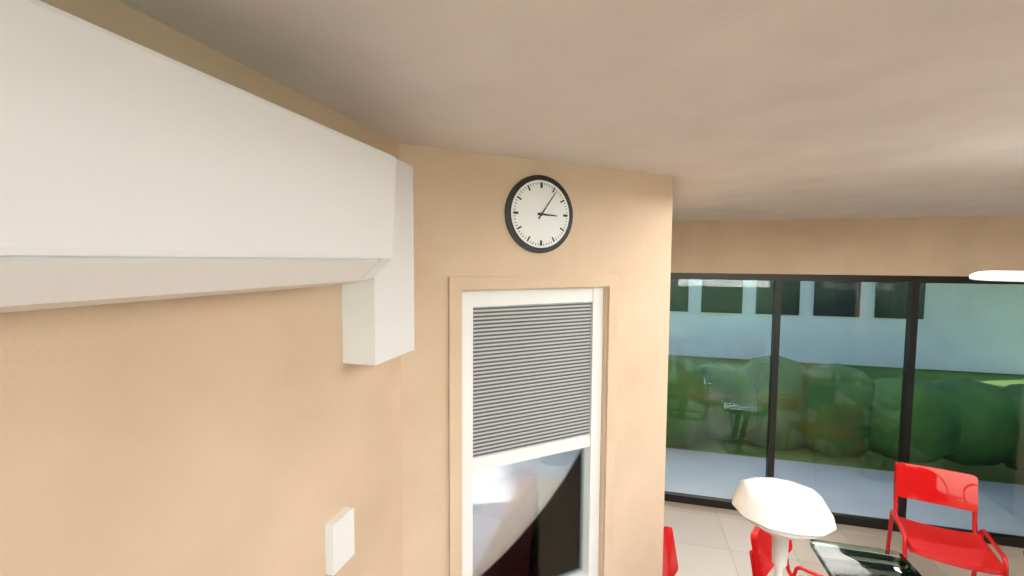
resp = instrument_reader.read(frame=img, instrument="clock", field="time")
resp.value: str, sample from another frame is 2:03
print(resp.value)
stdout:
3:06
